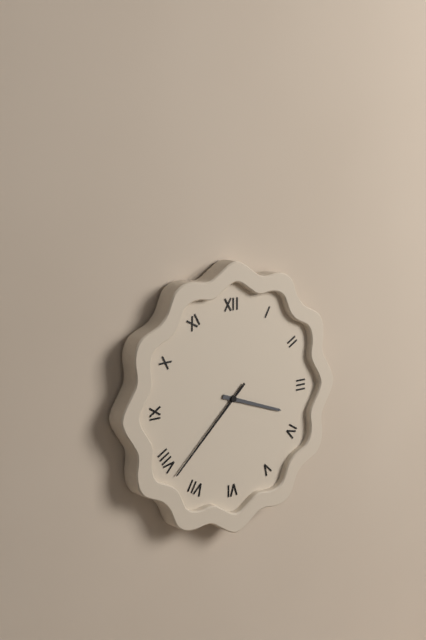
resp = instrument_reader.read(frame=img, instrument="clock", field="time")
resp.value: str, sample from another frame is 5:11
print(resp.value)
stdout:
3:38
